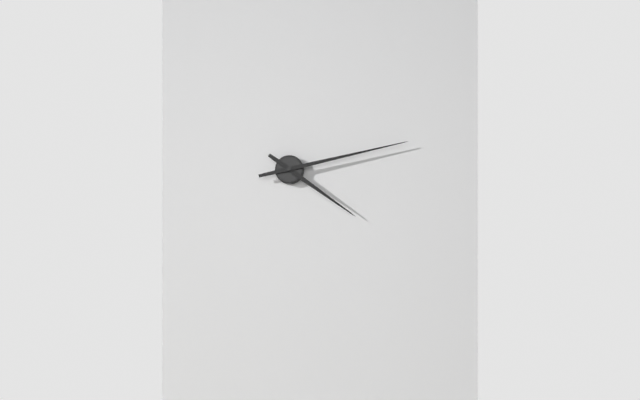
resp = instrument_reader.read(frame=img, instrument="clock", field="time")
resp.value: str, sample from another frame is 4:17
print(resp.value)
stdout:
4:13
